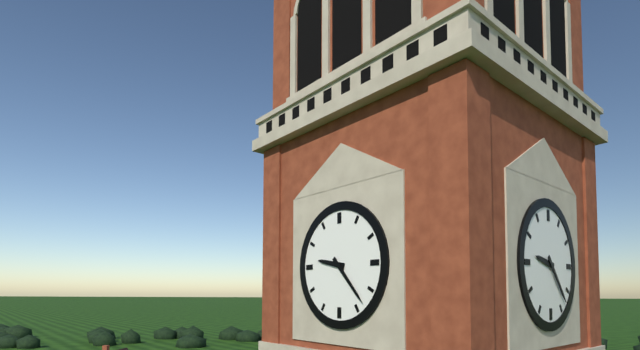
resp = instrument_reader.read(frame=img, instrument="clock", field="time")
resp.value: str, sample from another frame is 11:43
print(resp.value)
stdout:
9:23
